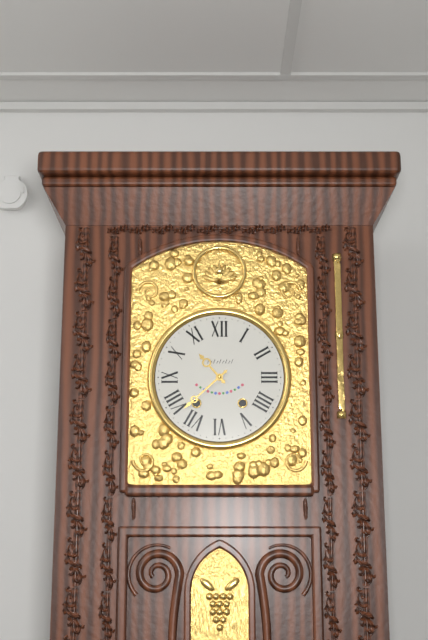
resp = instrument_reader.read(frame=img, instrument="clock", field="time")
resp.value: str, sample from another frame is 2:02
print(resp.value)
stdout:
10:38
